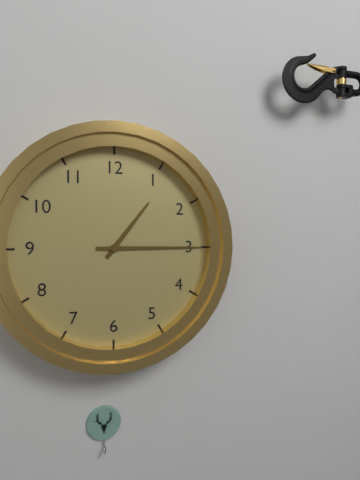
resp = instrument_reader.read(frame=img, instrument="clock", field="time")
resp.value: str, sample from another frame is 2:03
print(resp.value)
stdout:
1:15
